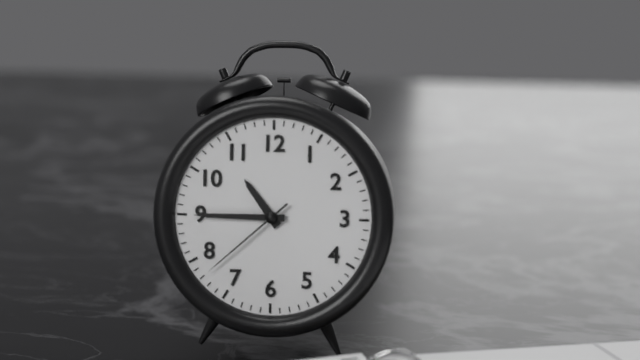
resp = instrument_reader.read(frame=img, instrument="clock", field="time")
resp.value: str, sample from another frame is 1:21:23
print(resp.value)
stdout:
10:45:38
